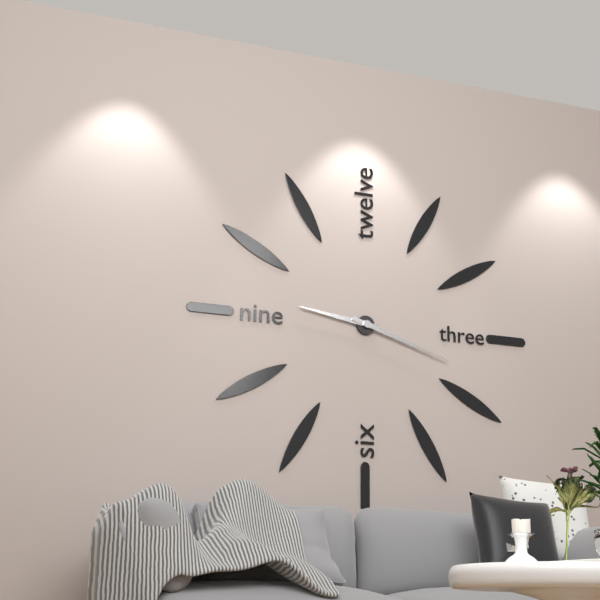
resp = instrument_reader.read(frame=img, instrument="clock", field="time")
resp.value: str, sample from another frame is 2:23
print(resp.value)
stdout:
9:18
